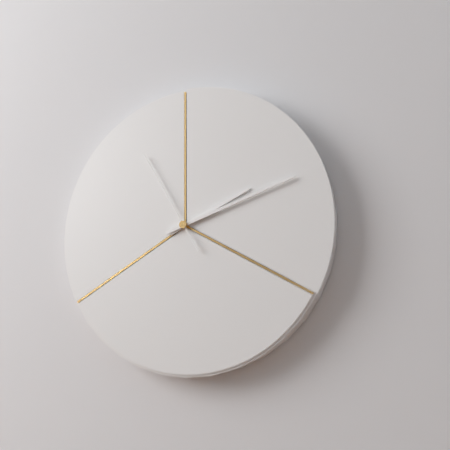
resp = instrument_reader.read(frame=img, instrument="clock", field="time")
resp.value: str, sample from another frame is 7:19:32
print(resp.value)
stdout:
2:12:55
